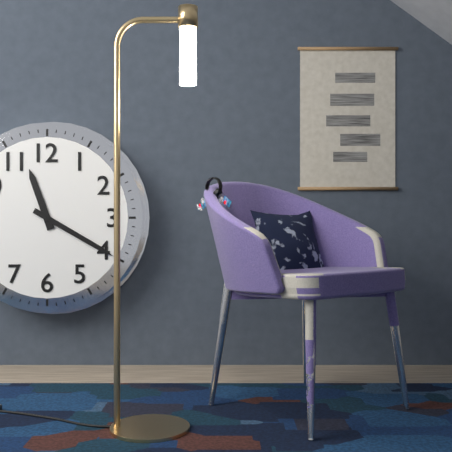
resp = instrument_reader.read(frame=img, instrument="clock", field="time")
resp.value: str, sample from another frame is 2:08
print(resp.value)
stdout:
11:20
